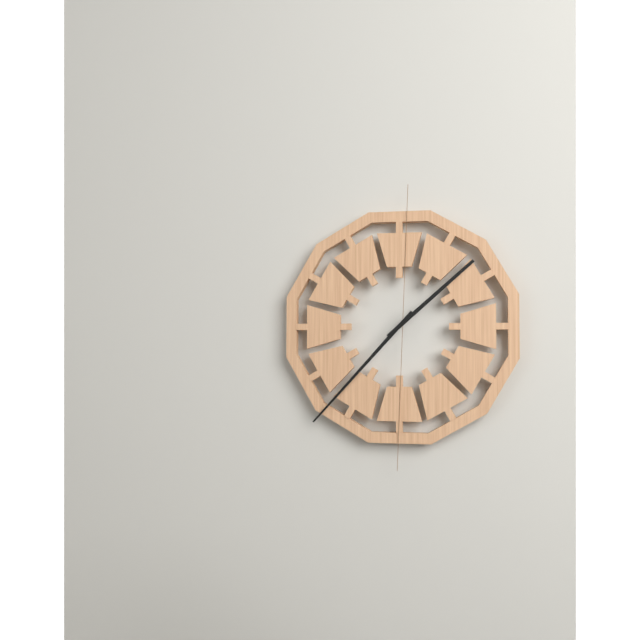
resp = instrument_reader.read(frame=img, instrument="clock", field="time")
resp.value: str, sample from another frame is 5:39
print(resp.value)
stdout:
1:37
